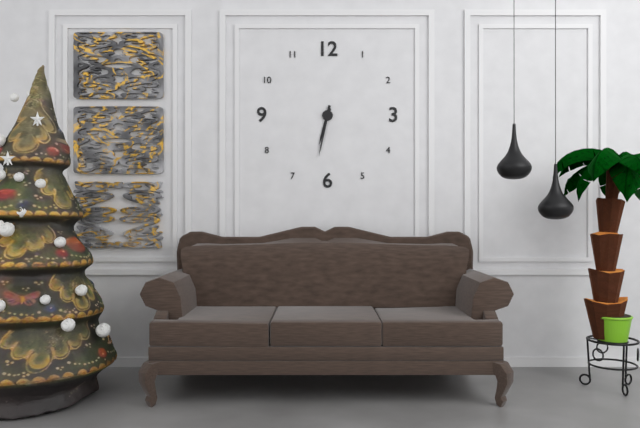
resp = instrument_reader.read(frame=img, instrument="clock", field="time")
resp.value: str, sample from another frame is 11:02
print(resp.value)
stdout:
6:32
